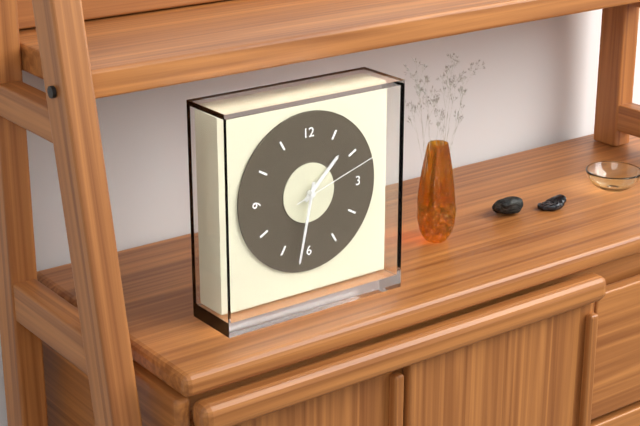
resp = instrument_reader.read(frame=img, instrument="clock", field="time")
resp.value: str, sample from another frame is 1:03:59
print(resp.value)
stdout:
1:32:12
